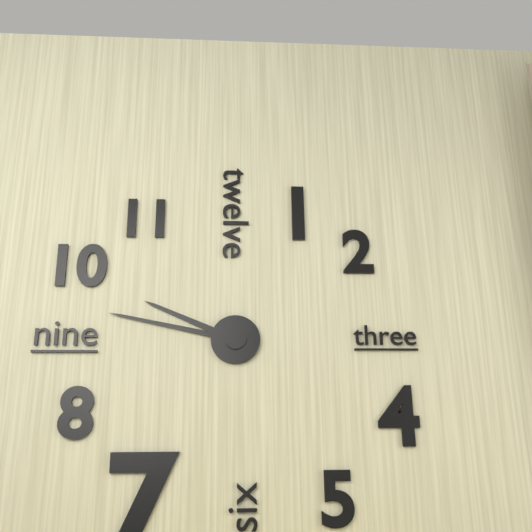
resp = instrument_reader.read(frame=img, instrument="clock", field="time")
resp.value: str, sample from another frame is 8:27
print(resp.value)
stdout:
9:47
